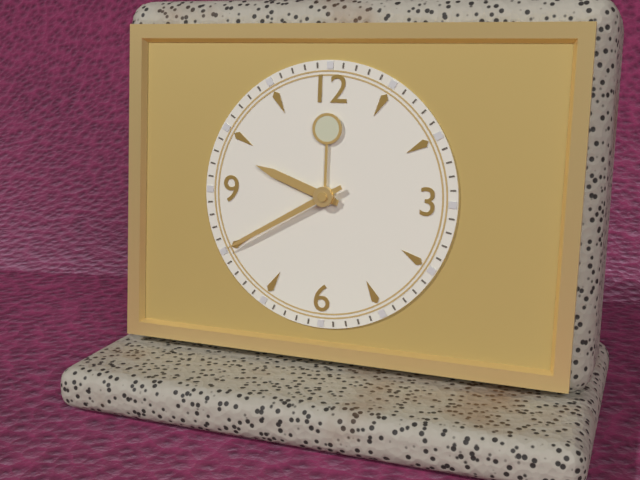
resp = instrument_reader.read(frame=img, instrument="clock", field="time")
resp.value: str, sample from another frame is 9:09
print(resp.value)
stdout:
9:40
